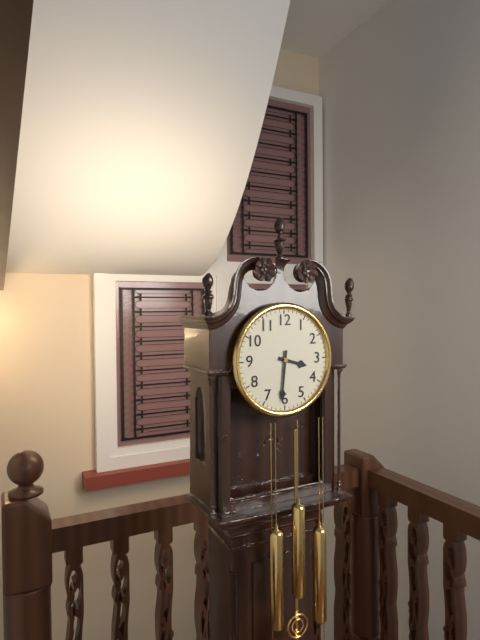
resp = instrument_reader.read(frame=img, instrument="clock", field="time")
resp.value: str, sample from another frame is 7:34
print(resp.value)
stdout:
3:31
